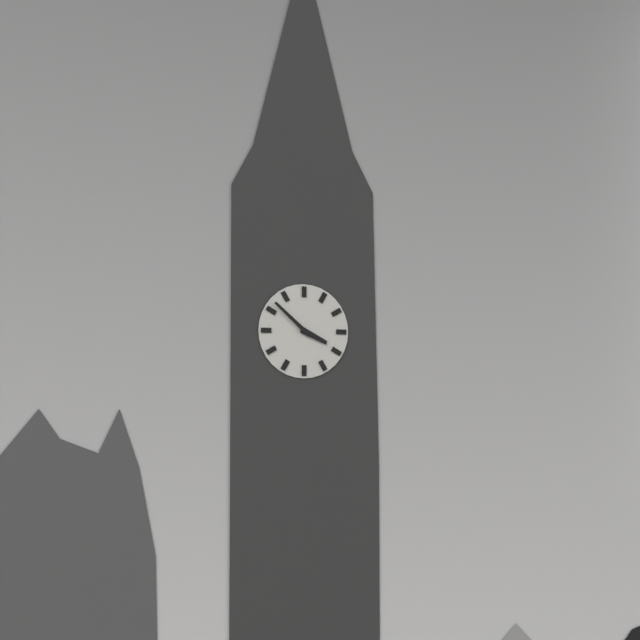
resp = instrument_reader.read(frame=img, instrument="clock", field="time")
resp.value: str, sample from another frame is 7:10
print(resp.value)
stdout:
3:52
